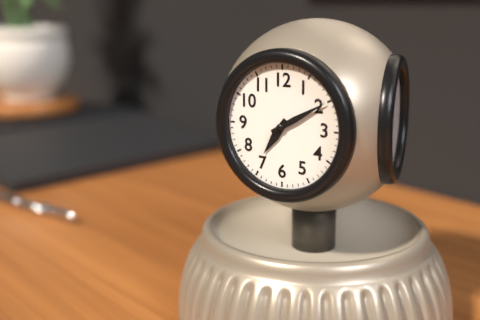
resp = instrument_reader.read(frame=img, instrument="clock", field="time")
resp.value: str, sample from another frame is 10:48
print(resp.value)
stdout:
7:10
